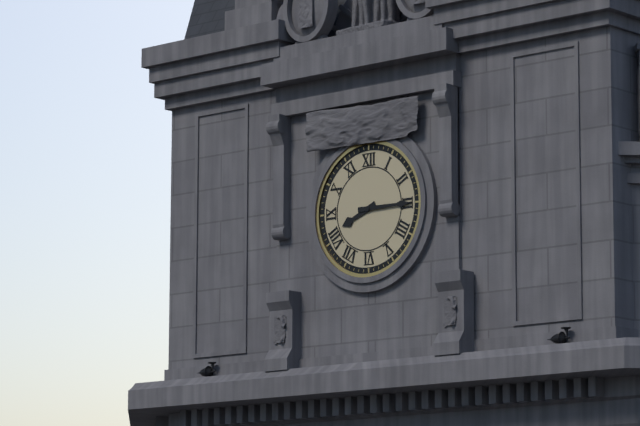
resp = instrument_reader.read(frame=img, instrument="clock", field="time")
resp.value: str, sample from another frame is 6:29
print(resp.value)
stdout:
8:15
